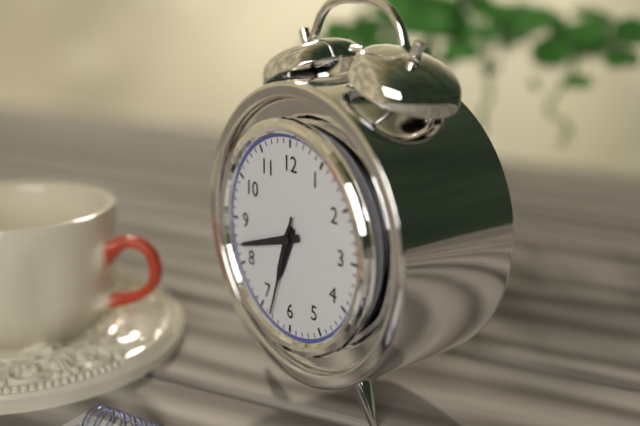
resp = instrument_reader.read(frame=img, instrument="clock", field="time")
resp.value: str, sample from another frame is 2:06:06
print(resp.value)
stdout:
6:42:33
